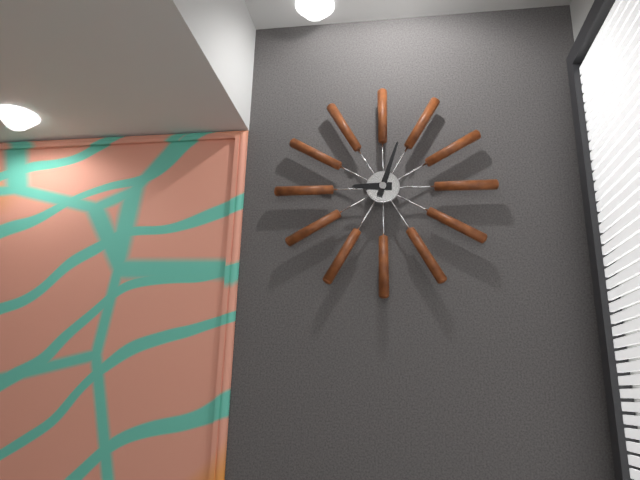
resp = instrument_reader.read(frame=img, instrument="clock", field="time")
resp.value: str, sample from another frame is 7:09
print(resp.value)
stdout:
9:03
